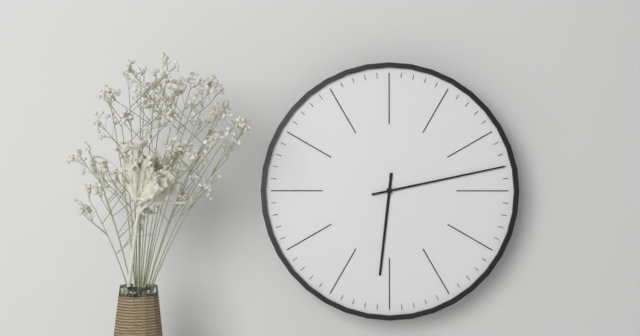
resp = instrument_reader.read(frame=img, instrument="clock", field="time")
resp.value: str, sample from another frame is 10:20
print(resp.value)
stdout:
6:13
